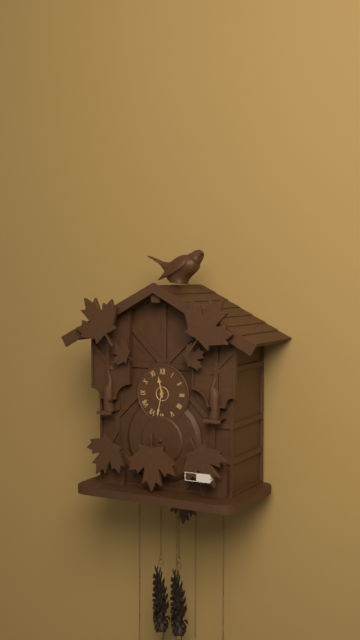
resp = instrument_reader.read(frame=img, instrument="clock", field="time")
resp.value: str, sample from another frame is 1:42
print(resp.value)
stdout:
11:32
